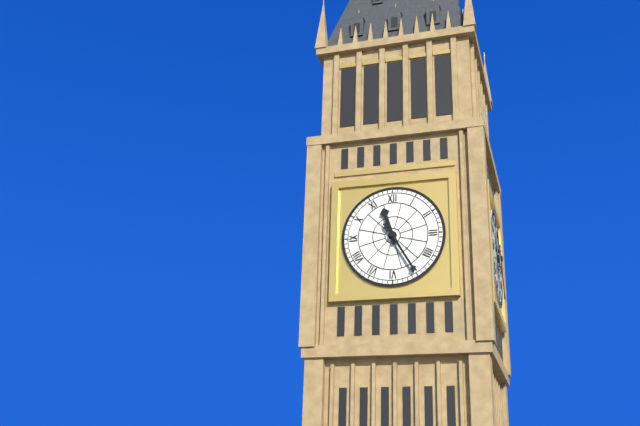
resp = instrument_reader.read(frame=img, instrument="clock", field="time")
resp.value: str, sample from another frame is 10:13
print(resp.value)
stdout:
11:25
